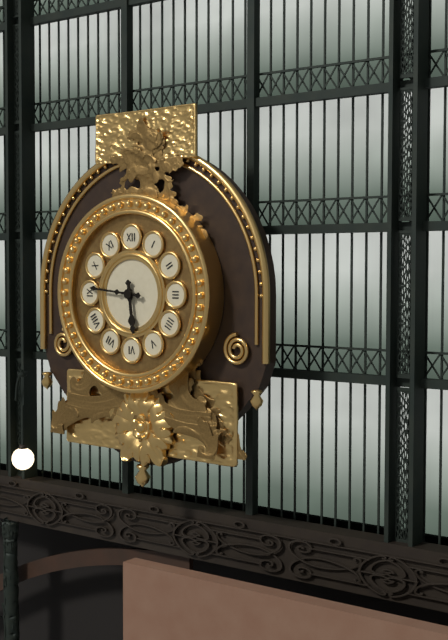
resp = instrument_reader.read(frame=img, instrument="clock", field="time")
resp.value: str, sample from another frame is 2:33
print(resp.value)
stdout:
5:46
